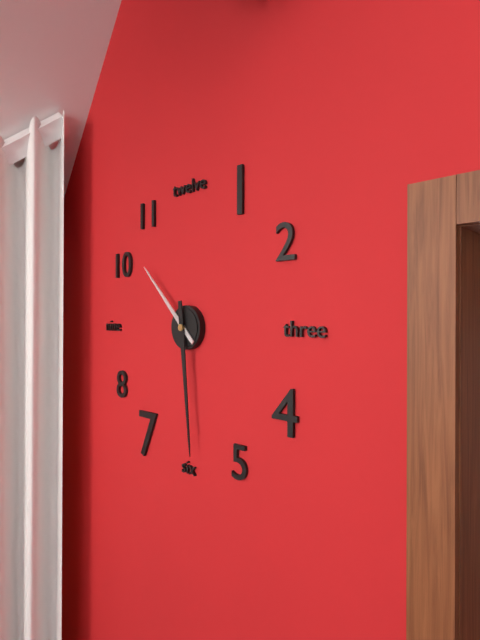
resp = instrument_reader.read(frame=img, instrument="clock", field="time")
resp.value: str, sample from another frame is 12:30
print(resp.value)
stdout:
10:29
